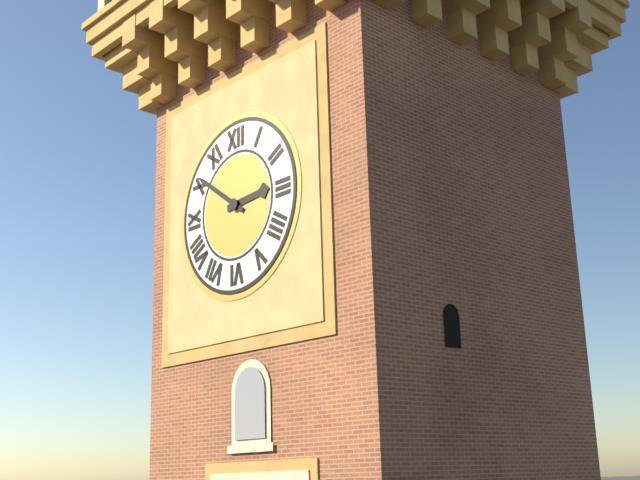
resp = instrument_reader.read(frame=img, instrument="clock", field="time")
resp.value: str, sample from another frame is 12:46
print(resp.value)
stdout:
2:51
